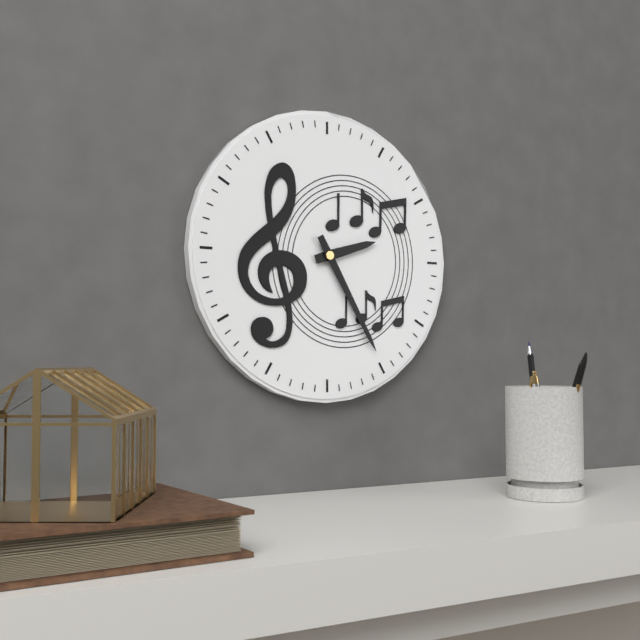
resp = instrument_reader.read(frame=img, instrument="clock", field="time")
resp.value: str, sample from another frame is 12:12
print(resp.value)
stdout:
2:25
